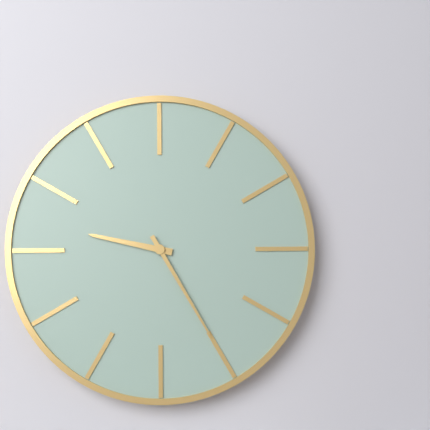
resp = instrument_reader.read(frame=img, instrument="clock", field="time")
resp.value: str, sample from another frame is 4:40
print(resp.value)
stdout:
9:25
